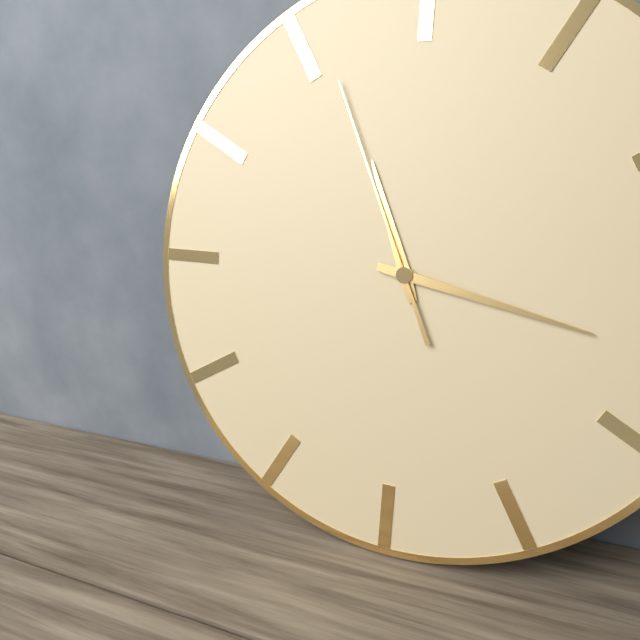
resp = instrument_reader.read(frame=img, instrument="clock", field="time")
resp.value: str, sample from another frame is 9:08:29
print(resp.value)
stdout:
11:17:56
